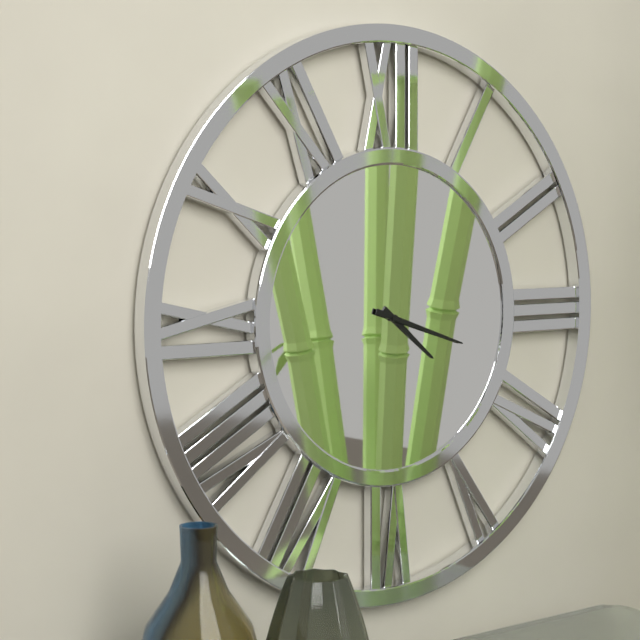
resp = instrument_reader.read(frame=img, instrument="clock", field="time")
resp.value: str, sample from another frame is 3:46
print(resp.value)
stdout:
4:18
